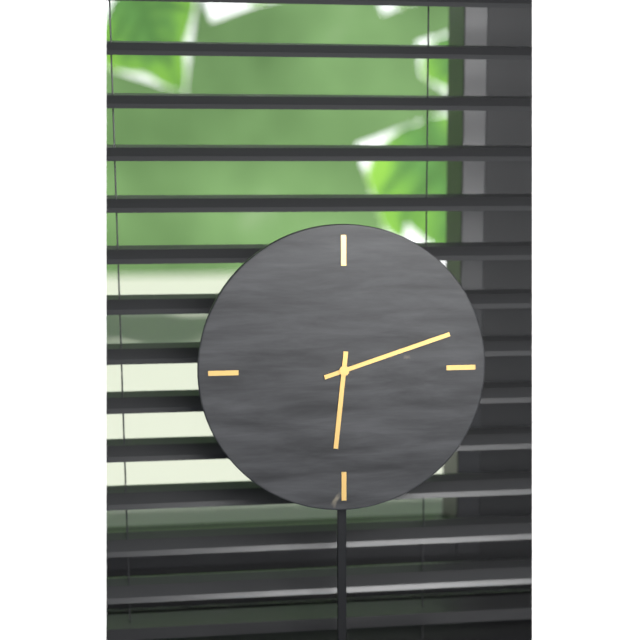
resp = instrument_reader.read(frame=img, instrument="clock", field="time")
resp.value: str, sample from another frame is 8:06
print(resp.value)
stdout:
6:12
